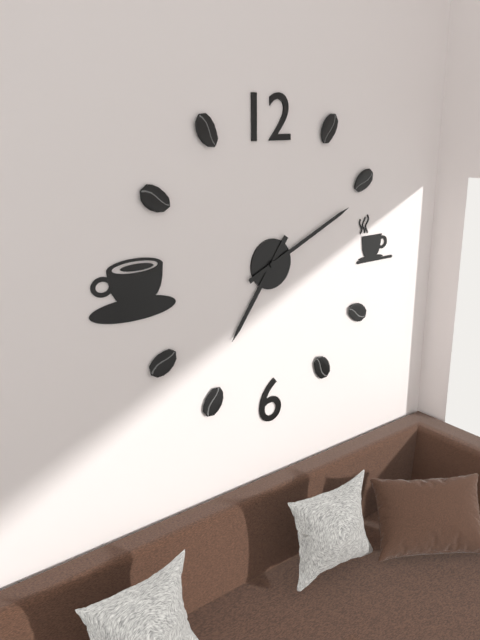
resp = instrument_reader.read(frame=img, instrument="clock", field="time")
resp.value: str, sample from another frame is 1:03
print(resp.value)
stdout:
7:11
